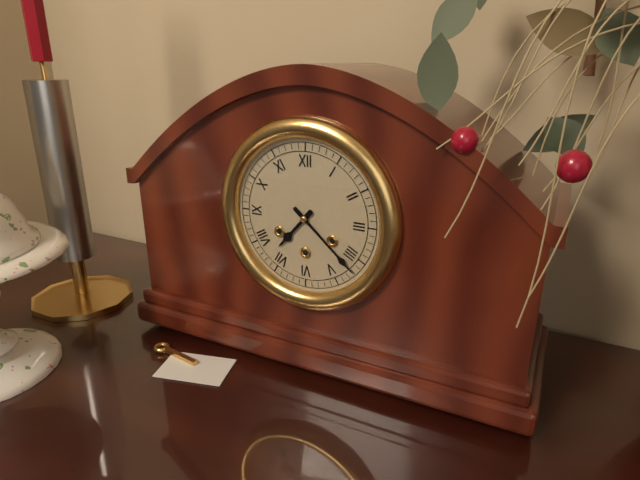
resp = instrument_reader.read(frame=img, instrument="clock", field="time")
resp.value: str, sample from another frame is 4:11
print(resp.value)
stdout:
7:22
